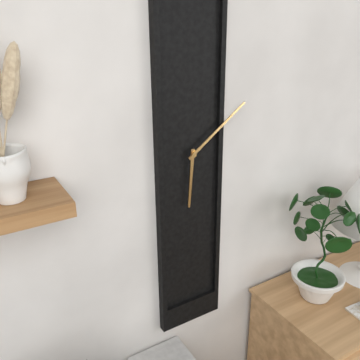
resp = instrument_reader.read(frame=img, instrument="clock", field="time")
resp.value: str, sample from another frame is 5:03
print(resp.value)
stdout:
6:09
